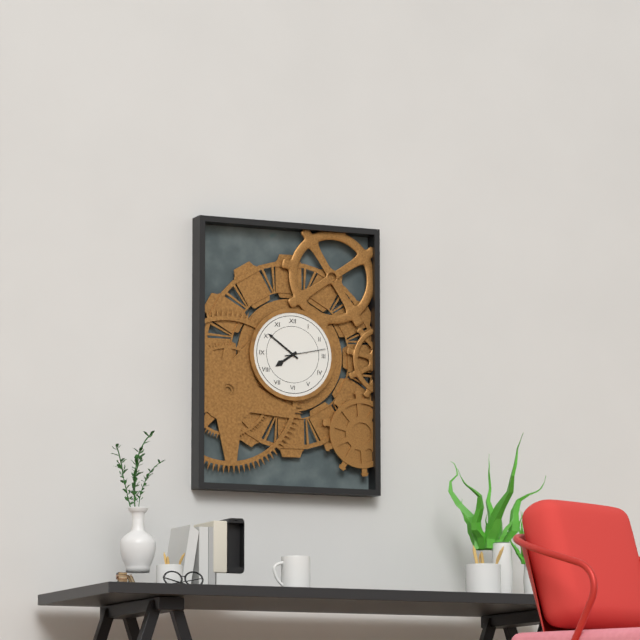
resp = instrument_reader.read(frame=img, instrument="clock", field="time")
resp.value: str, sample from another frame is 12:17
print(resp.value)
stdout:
7:51
